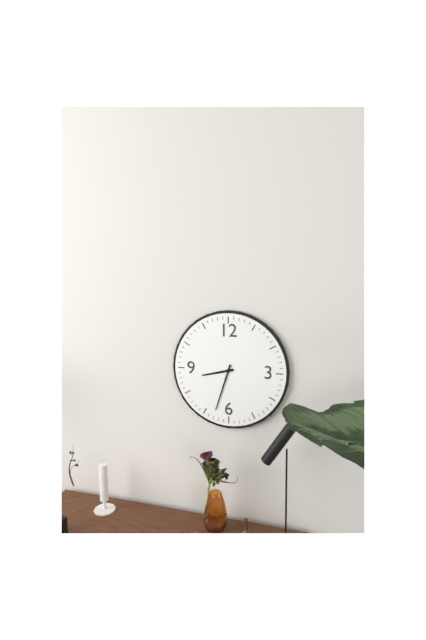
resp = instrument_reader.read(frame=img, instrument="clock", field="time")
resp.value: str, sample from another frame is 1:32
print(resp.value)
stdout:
8:33
